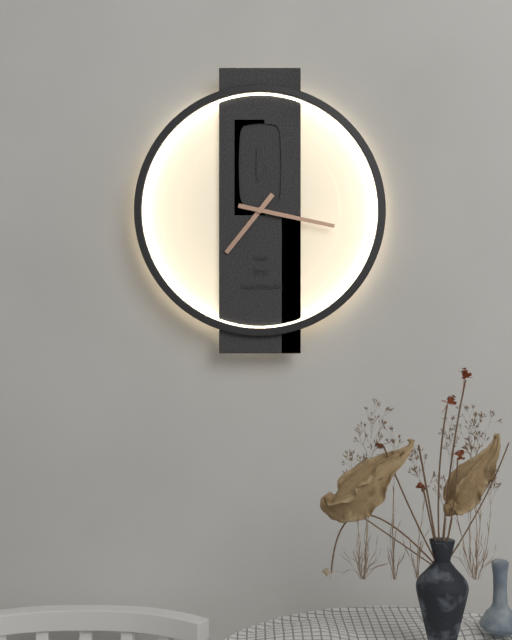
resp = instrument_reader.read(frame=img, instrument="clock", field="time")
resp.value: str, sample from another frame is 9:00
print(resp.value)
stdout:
7:17
